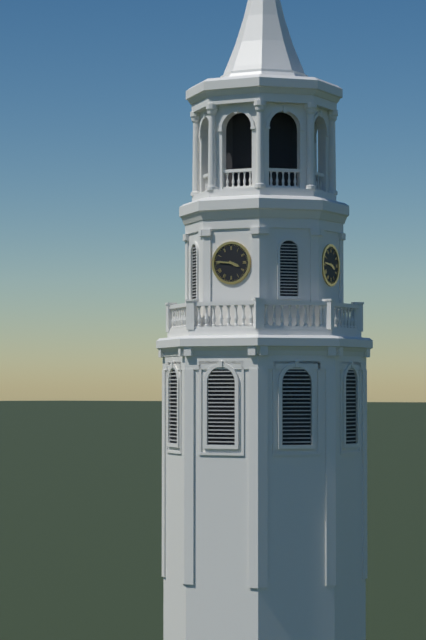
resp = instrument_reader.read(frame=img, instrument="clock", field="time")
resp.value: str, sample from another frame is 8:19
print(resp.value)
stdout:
3:46
